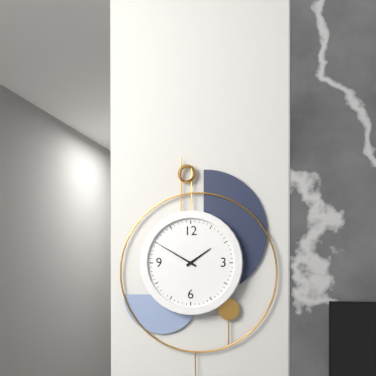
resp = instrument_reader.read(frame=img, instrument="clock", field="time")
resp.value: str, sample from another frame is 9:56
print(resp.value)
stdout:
1:50
